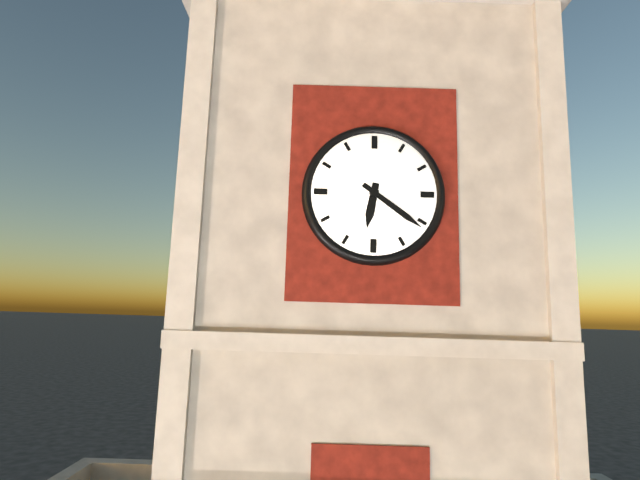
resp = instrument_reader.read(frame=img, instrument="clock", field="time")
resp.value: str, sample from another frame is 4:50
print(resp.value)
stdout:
6:21
